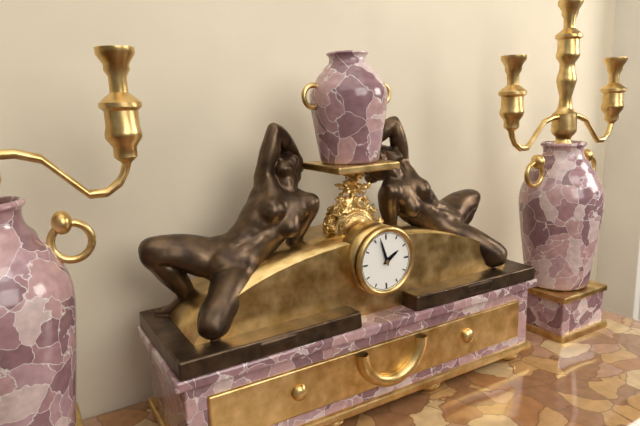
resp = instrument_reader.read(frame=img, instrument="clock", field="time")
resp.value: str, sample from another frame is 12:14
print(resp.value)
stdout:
1:57
